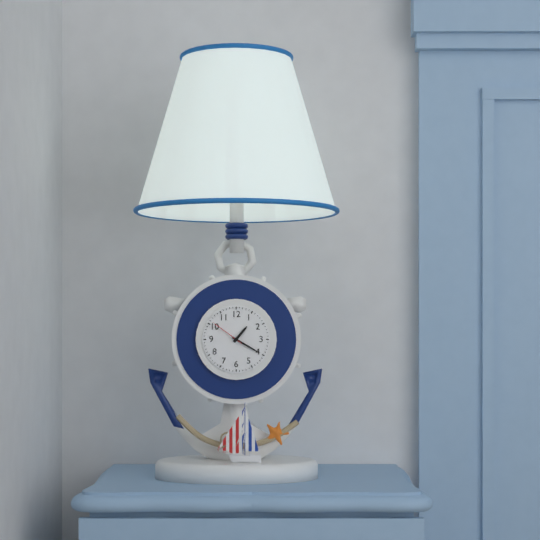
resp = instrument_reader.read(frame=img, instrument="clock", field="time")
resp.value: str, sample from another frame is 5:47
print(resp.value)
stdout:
1:20
